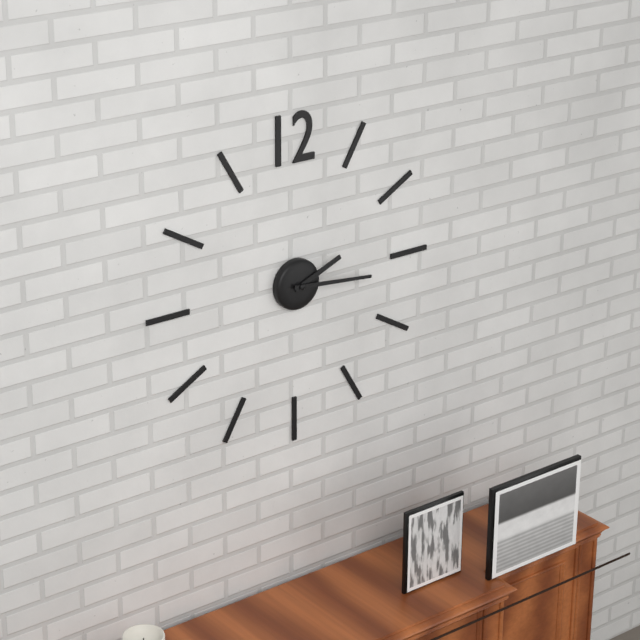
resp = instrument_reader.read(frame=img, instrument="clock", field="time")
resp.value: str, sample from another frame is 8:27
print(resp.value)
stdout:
2:16
